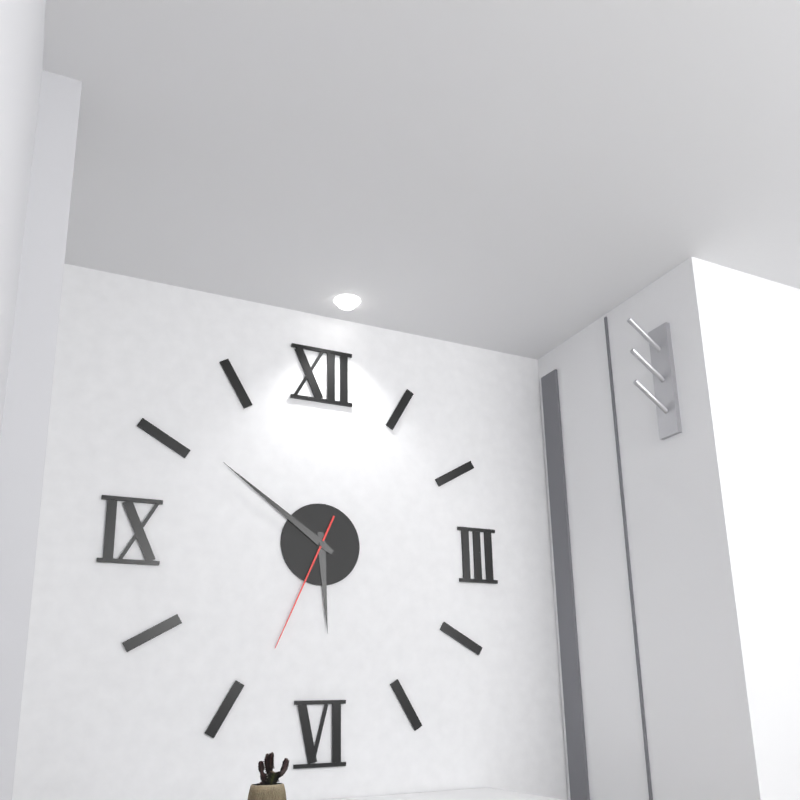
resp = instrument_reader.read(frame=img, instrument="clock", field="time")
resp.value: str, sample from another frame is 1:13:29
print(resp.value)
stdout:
5:51:34
